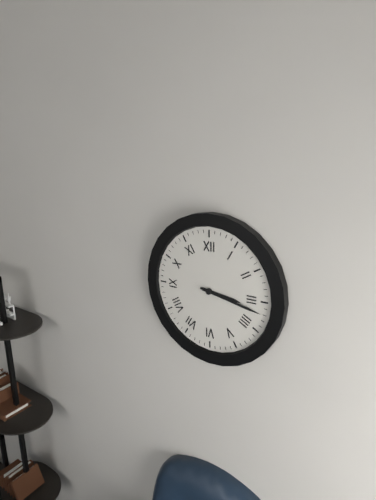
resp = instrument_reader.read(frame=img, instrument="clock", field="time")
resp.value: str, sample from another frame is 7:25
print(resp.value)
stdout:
3:17
